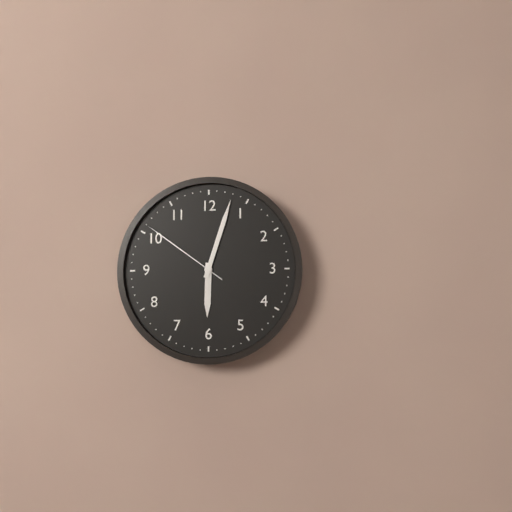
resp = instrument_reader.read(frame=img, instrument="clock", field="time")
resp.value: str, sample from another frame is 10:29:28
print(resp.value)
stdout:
6:03:51
